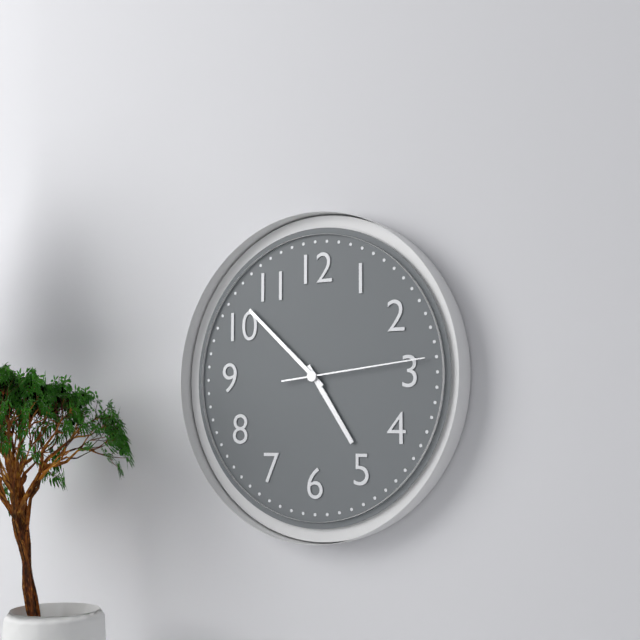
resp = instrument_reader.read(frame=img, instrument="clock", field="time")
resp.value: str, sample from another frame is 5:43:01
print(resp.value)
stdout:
4:52:14
